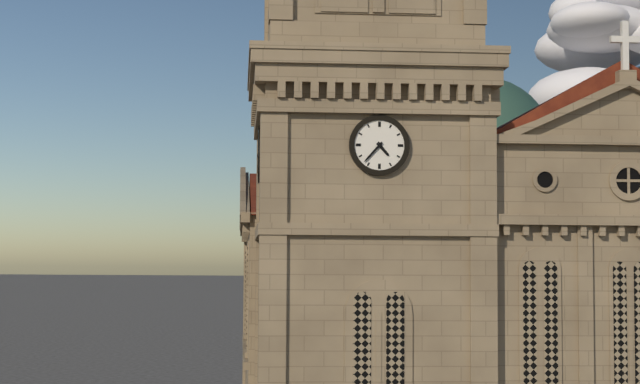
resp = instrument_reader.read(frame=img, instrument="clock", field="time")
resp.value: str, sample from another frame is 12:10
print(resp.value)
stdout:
4:37
